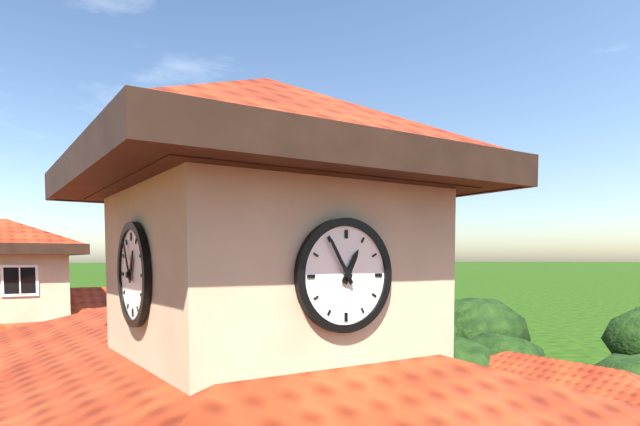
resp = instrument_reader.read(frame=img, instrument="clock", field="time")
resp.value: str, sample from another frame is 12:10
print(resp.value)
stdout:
12:55
